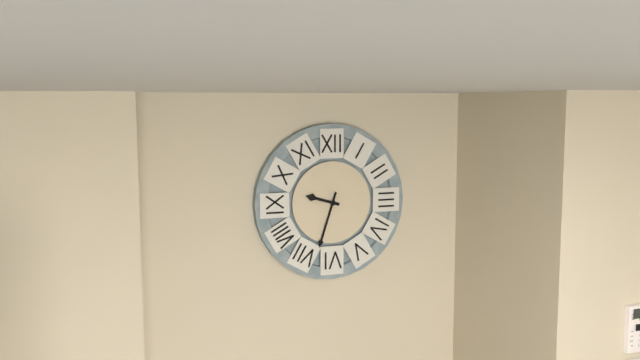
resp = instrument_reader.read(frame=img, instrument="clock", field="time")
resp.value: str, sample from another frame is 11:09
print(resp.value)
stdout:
9:33
